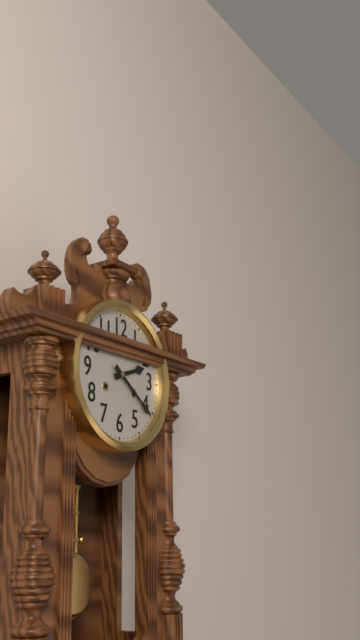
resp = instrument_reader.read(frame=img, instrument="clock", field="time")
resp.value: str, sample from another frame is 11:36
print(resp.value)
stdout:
2:21
